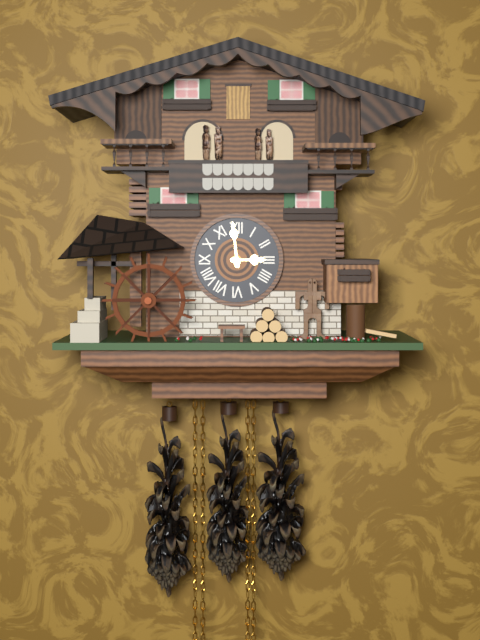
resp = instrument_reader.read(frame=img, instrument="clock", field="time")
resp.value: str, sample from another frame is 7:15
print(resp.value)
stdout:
2:59
